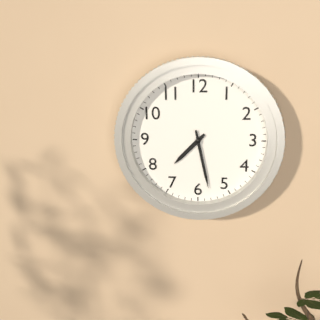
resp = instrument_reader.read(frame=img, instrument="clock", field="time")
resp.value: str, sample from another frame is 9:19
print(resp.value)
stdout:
7:28
